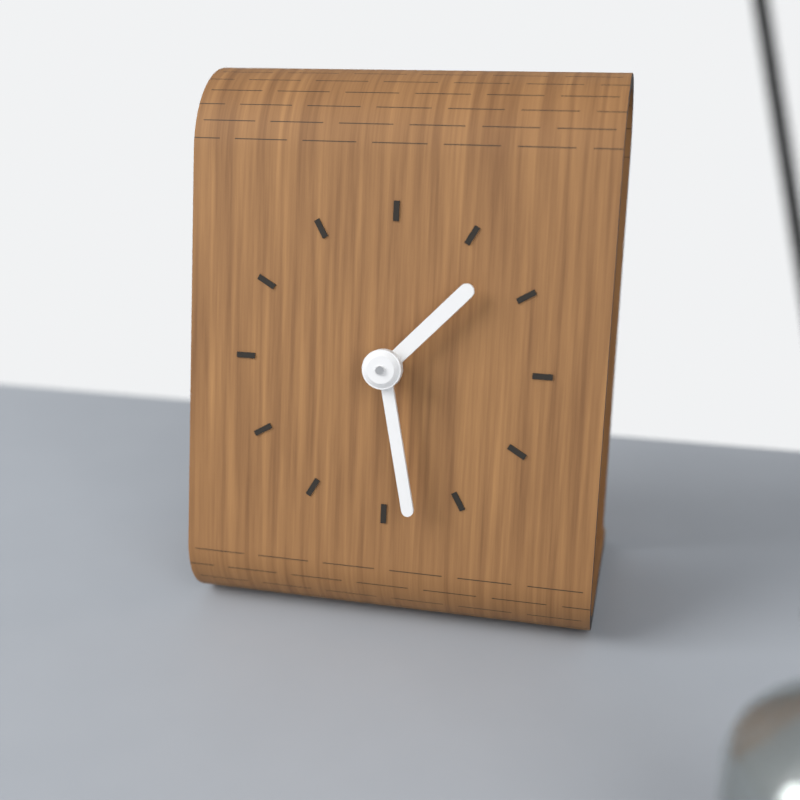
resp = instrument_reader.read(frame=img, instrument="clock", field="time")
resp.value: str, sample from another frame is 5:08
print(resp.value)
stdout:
1:28
